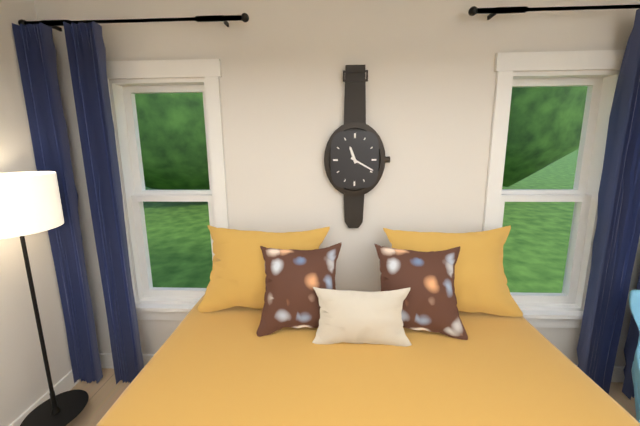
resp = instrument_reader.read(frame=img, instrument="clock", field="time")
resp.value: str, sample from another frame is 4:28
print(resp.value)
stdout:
11:20
